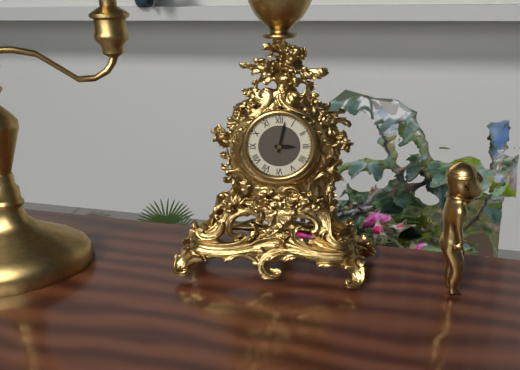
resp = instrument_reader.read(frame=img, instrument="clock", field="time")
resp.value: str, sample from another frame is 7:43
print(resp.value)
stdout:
3:02
